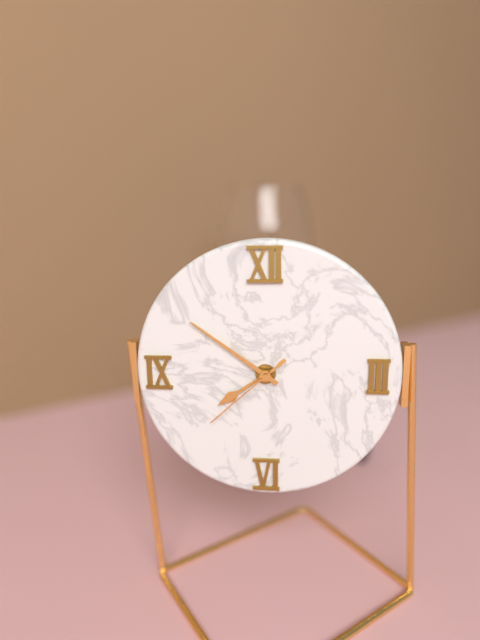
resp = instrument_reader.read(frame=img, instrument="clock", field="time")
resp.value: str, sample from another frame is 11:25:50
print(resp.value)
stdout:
7:51:38
